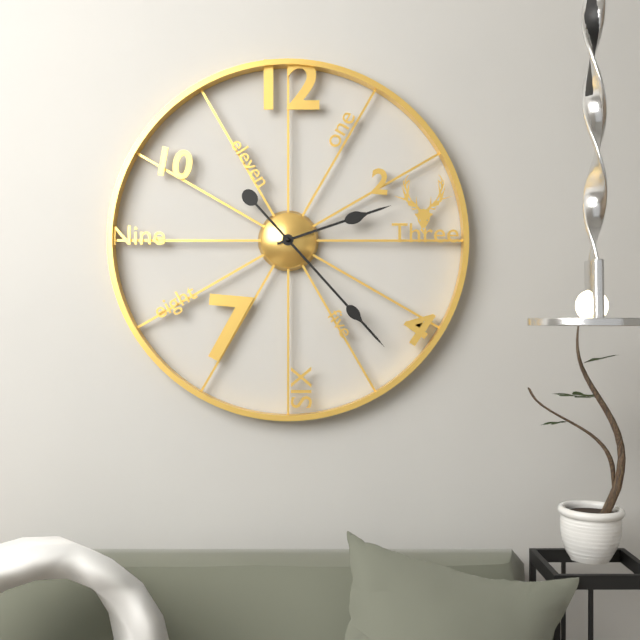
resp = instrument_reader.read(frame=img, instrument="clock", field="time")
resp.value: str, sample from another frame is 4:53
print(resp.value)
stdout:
2:23
